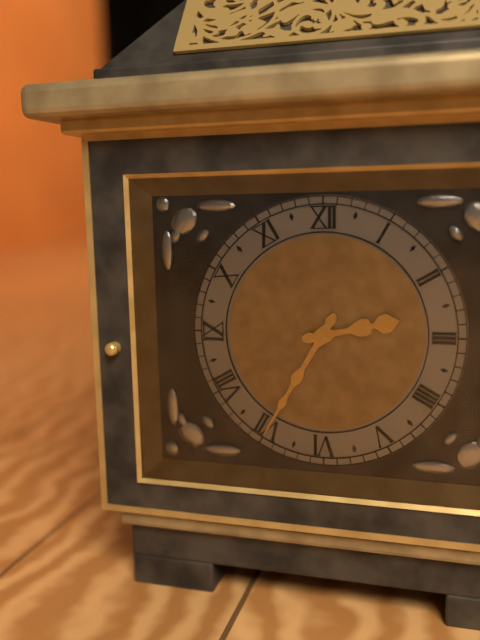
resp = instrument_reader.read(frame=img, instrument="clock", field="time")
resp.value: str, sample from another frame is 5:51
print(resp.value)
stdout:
2:35
